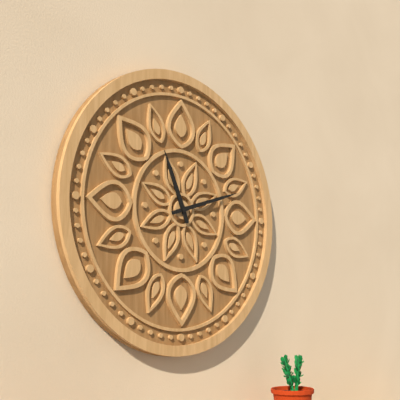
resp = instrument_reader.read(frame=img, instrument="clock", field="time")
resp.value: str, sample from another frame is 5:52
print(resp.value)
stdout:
11:12
